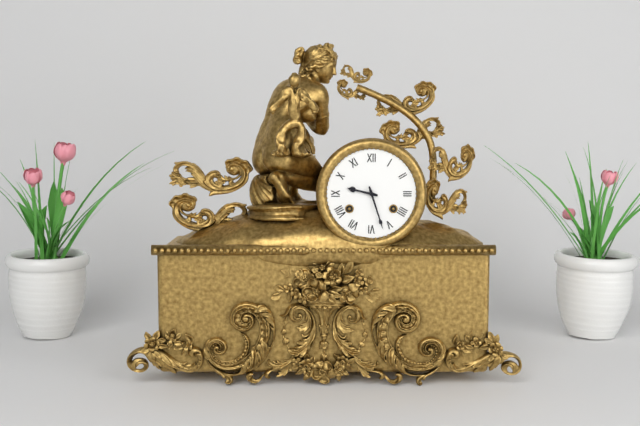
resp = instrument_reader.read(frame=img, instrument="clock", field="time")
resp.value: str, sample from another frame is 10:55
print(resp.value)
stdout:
9:27
